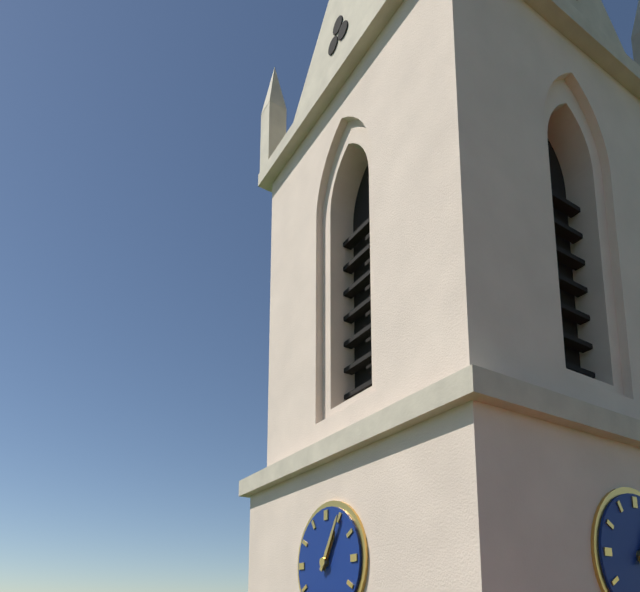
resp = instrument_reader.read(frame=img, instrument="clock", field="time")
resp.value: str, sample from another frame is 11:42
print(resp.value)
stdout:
1:05
